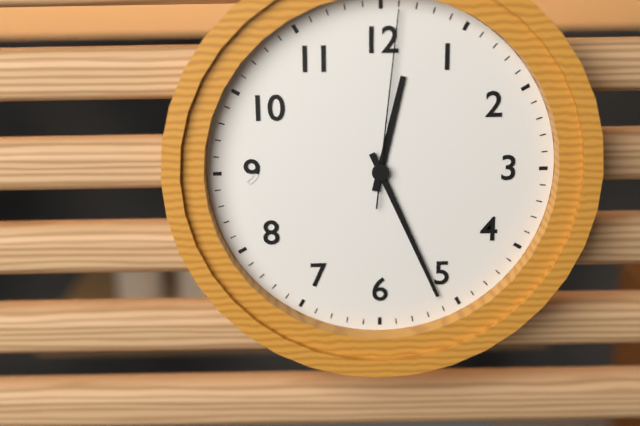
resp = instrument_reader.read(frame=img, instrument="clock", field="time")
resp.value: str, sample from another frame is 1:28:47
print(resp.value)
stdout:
12:26:01
